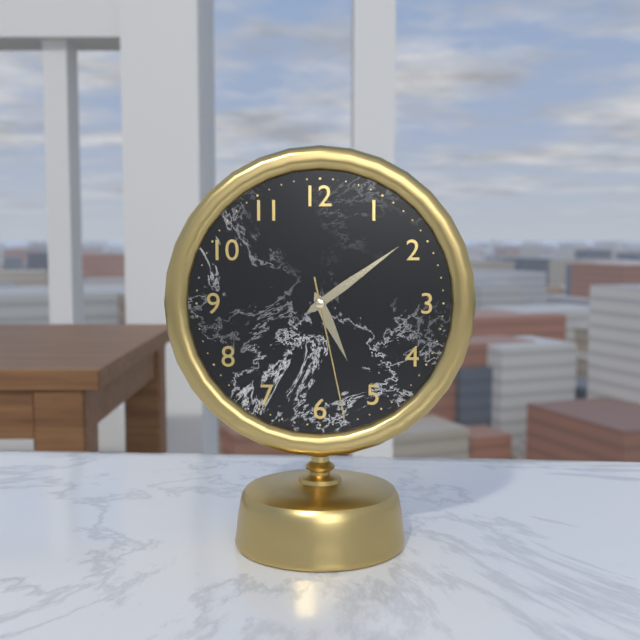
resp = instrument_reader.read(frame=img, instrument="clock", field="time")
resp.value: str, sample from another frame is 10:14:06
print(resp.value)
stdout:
5:09:28
